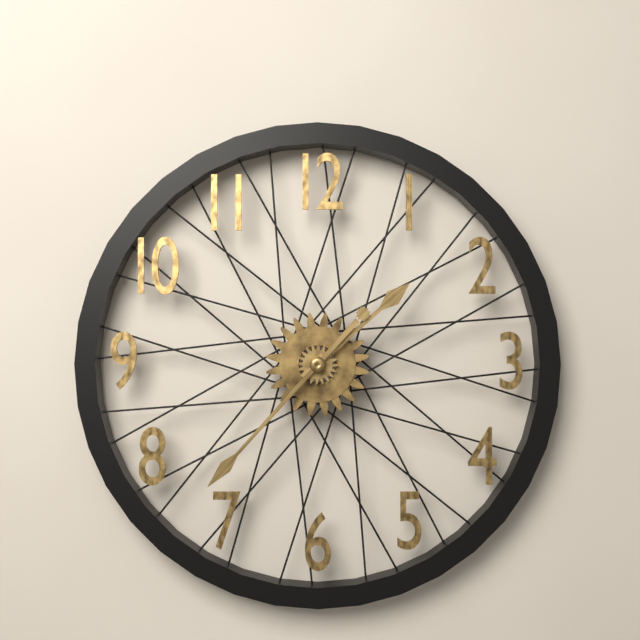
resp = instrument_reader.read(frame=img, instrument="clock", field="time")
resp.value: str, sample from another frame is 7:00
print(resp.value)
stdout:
1:37
